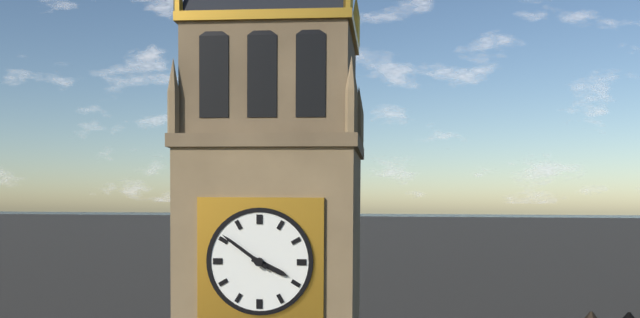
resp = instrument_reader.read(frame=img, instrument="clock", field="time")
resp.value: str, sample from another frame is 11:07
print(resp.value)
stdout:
3:51
